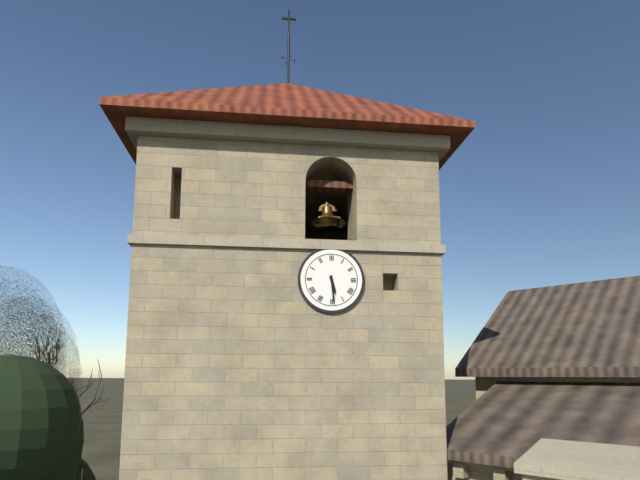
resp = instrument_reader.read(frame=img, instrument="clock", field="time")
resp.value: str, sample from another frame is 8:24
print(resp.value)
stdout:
5:29
